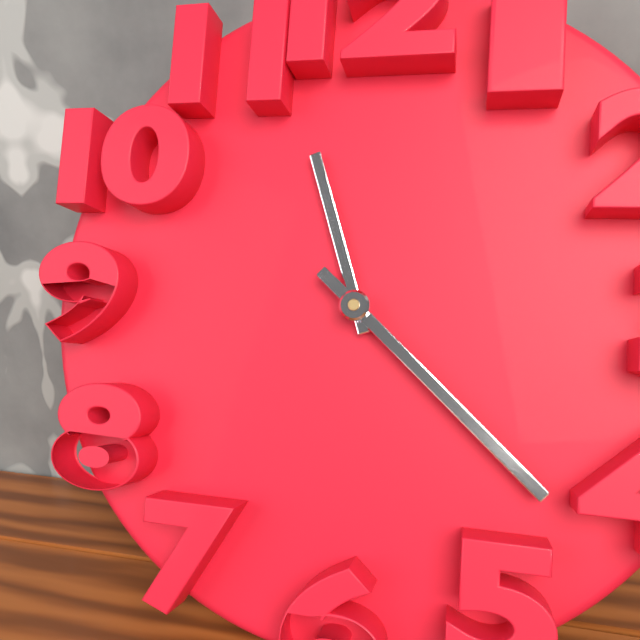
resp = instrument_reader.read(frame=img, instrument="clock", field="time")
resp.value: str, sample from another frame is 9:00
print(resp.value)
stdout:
11:22
